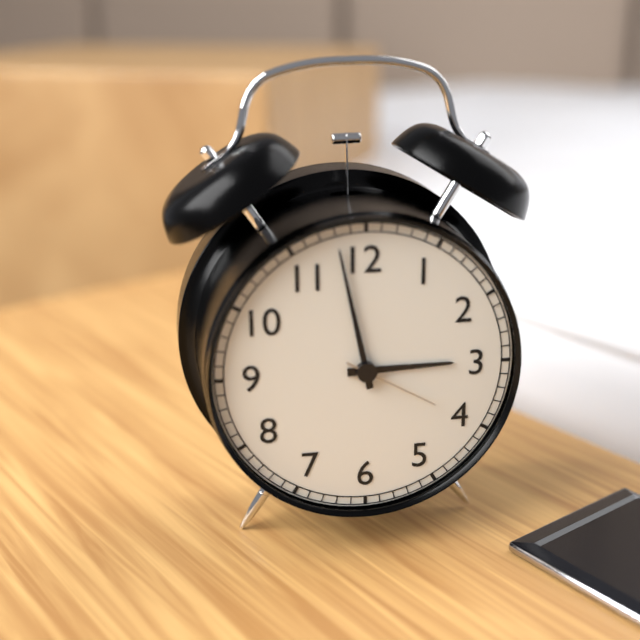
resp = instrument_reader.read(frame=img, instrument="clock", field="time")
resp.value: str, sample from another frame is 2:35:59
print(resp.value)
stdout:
2:58:20
